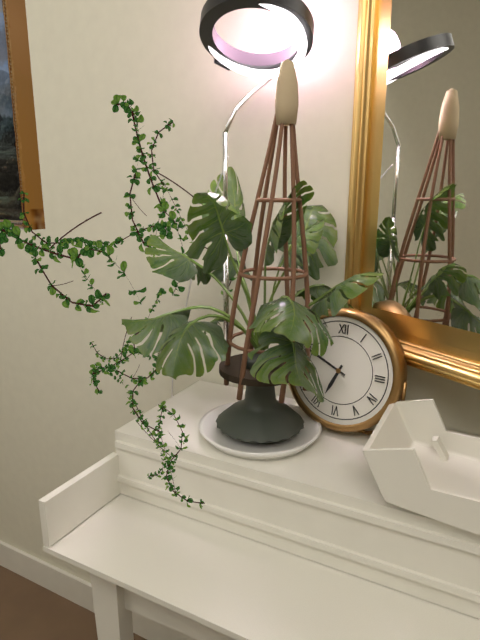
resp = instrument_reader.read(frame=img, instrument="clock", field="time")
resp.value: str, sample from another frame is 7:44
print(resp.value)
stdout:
6:49
